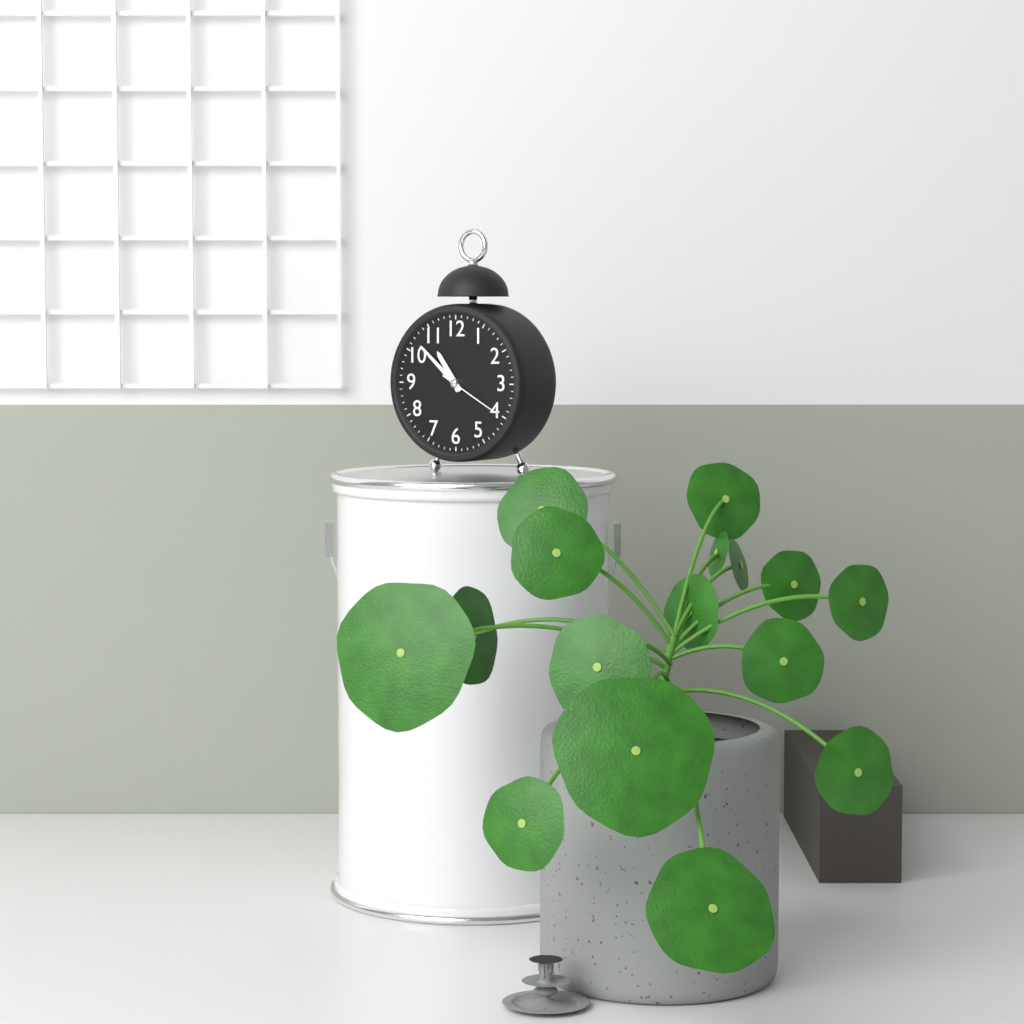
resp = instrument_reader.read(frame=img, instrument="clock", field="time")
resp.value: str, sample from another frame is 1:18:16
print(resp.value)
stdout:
10:52:20
